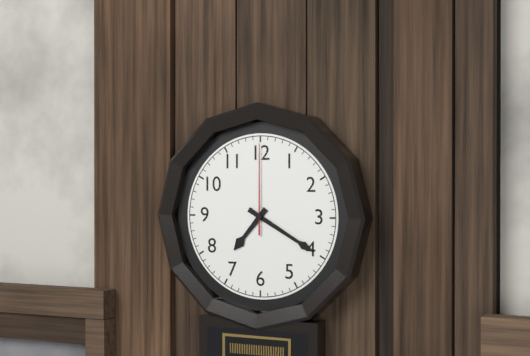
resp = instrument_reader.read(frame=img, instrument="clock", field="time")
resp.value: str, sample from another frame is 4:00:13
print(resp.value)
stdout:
7:20:00
